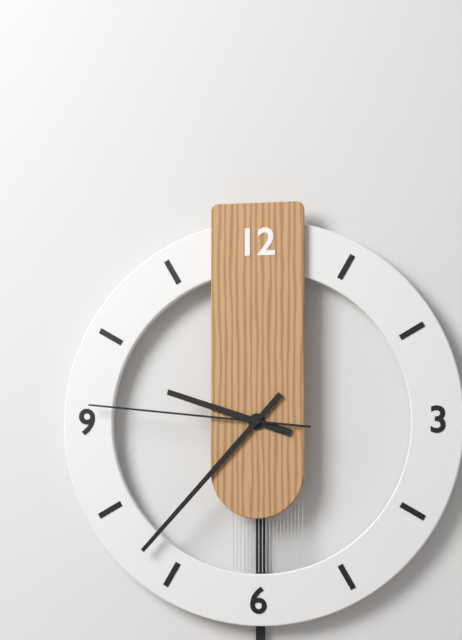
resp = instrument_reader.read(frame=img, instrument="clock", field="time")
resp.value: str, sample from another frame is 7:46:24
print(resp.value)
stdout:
9:37:46
